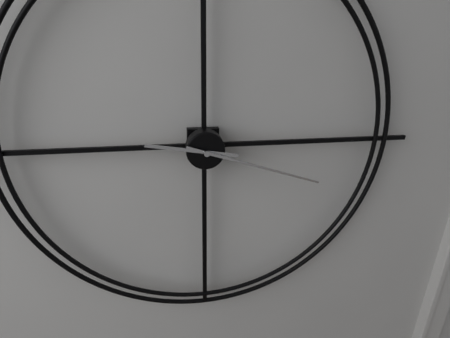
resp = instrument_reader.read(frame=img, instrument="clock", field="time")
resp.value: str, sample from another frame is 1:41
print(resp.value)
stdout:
9:18
